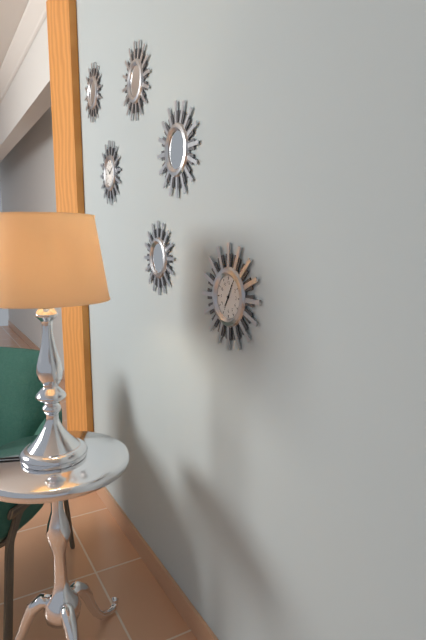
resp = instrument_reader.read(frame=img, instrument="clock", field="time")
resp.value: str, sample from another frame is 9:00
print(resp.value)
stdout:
7:05
